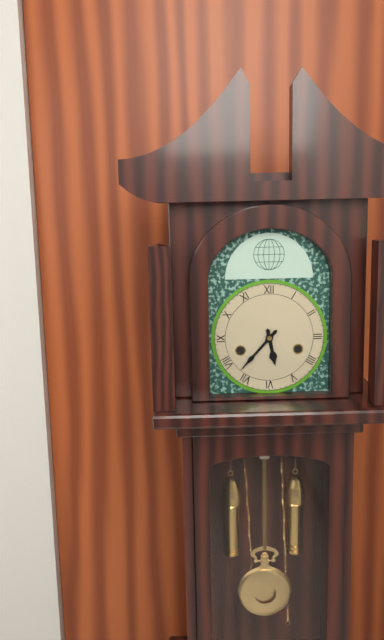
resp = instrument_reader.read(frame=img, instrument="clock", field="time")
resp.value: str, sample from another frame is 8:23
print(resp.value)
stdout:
5:37
